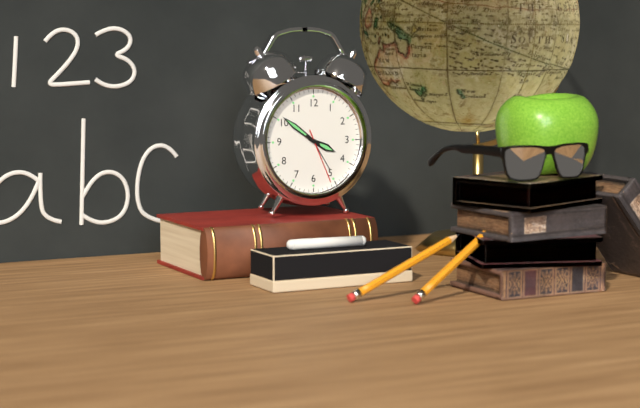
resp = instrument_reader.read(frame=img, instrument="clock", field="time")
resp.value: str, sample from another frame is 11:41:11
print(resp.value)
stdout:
3:51:26
